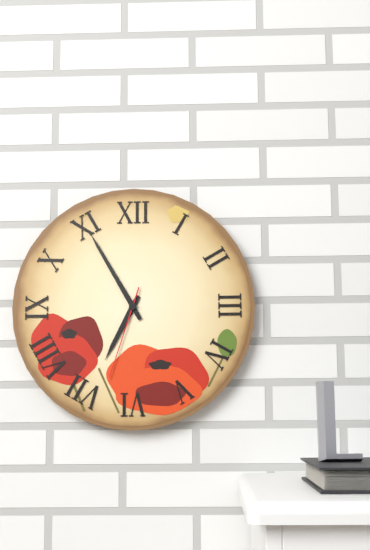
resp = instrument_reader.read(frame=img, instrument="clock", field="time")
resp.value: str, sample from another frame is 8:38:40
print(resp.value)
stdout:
6:55:33
